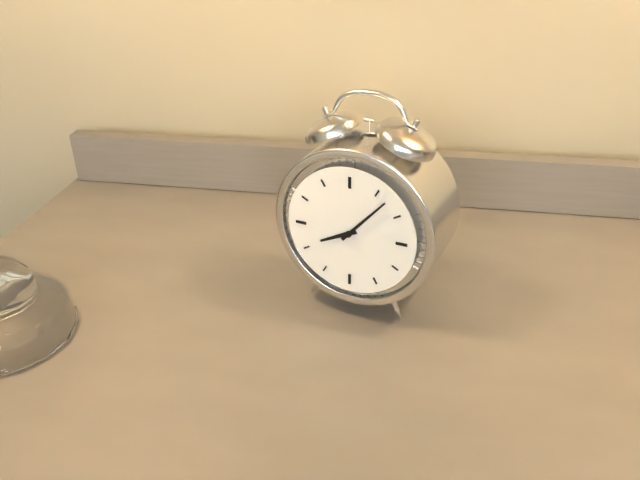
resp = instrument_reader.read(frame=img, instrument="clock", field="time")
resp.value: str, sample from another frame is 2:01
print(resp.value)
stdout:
8:07
